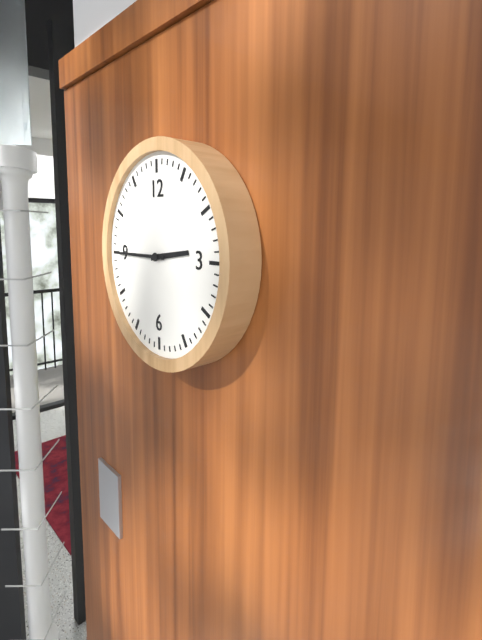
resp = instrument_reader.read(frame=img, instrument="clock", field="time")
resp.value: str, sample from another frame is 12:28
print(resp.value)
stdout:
2:45
